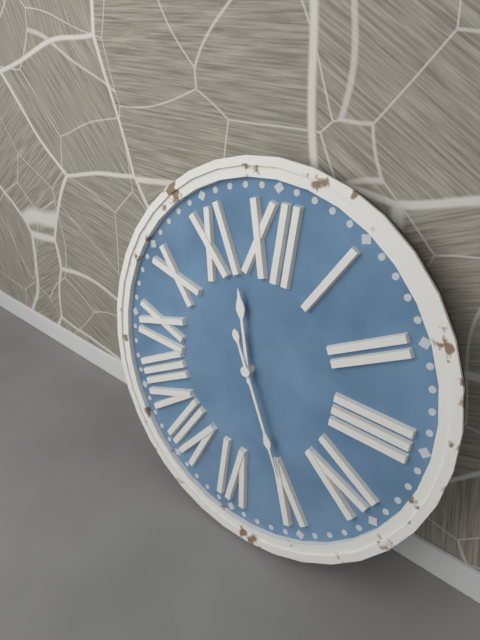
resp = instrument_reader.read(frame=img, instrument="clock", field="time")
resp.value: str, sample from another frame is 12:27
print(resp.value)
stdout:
11:25
